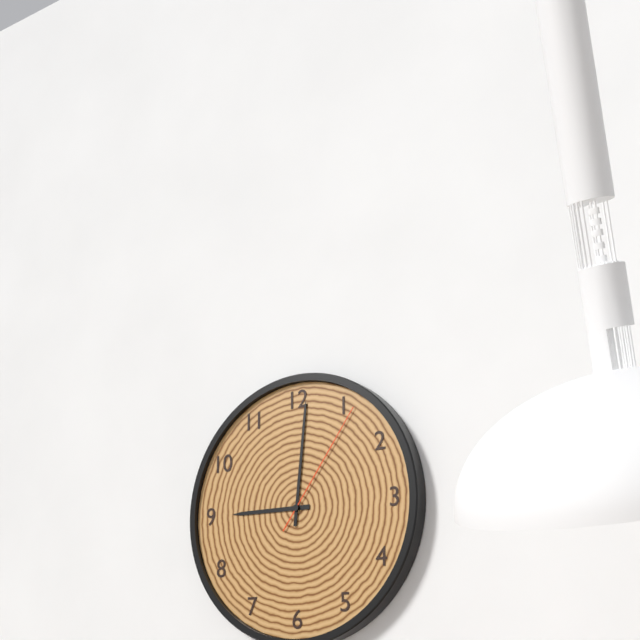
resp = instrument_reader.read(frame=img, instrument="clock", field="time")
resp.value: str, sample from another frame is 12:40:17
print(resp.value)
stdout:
9:01:06
